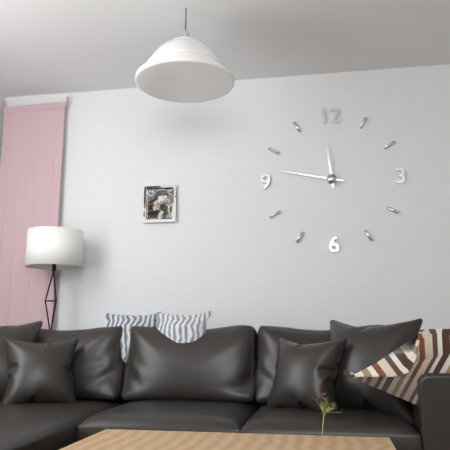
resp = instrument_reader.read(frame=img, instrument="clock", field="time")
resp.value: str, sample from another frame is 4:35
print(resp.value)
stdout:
11:47
